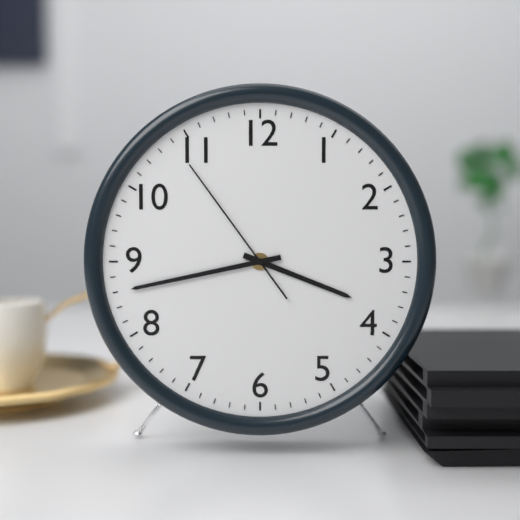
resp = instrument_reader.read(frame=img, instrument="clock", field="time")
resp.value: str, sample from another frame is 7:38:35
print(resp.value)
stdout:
3:43:54
